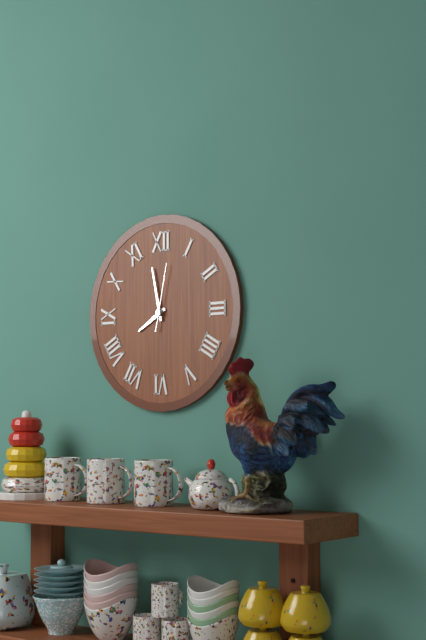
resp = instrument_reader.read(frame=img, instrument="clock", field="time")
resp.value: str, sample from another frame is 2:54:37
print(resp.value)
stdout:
7:58:02
